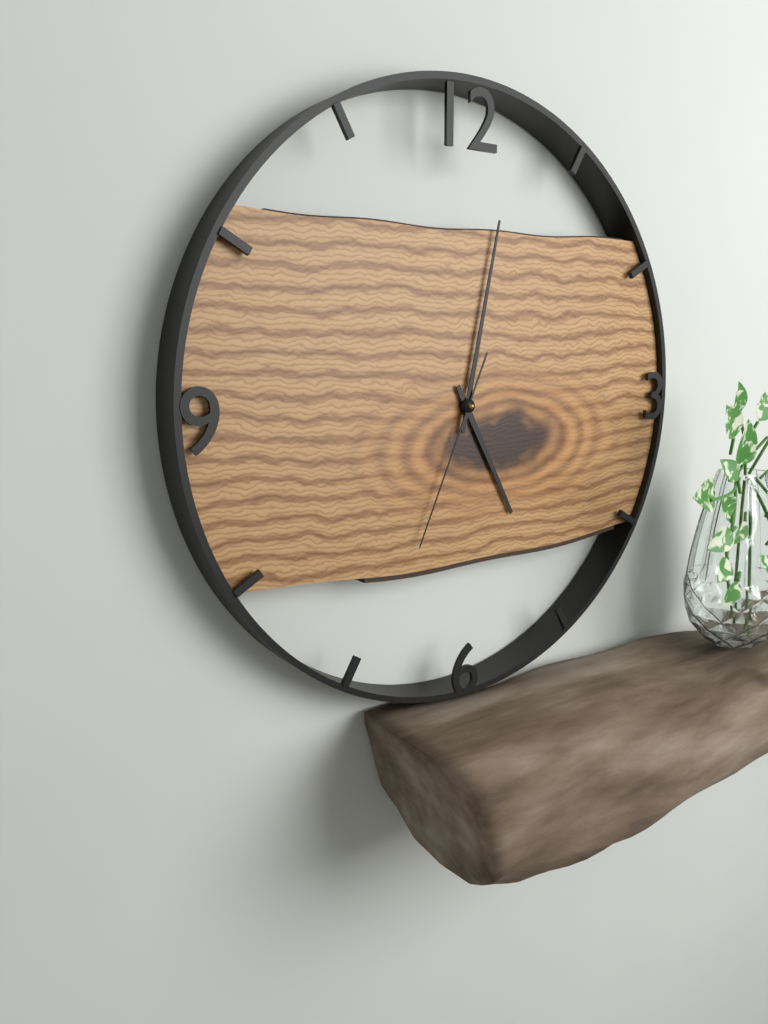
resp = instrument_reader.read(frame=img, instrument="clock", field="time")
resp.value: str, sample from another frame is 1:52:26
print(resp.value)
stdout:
5:02:34
